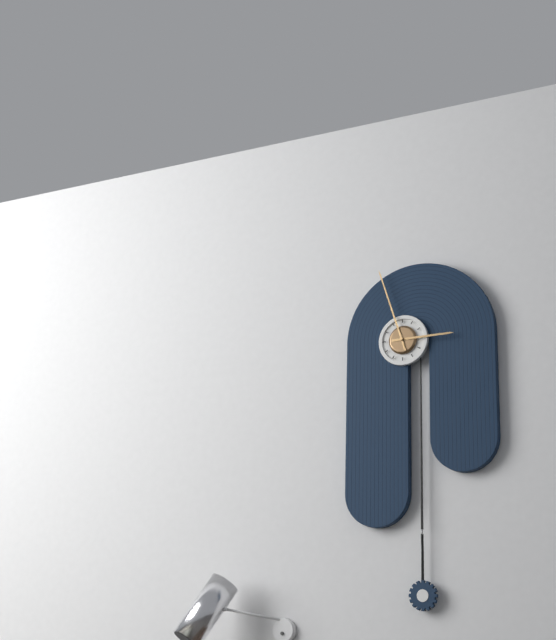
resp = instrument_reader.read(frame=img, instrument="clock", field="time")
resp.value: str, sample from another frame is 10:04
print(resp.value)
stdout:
2:57
